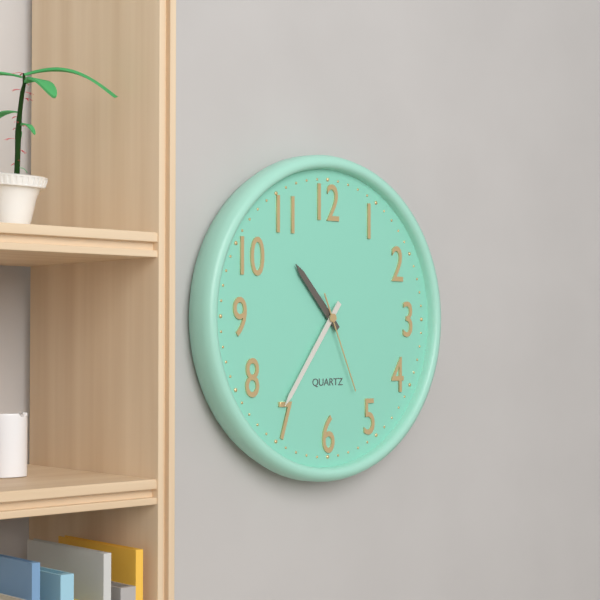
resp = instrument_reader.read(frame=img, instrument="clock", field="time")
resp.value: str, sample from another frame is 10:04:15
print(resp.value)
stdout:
10:36:26
